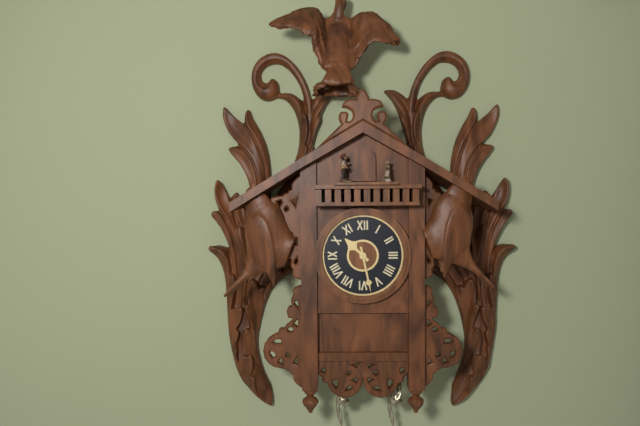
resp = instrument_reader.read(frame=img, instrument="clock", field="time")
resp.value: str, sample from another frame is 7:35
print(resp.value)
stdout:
10:28
